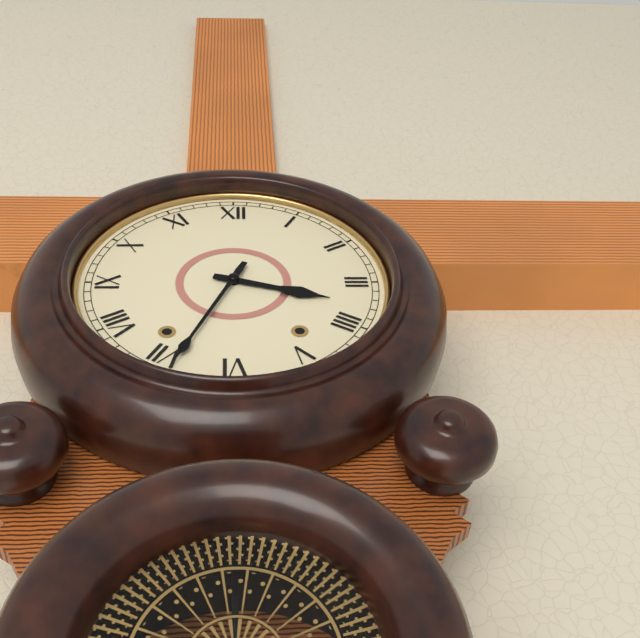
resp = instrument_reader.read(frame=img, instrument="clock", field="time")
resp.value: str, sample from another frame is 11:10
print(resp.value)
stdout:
3:34
